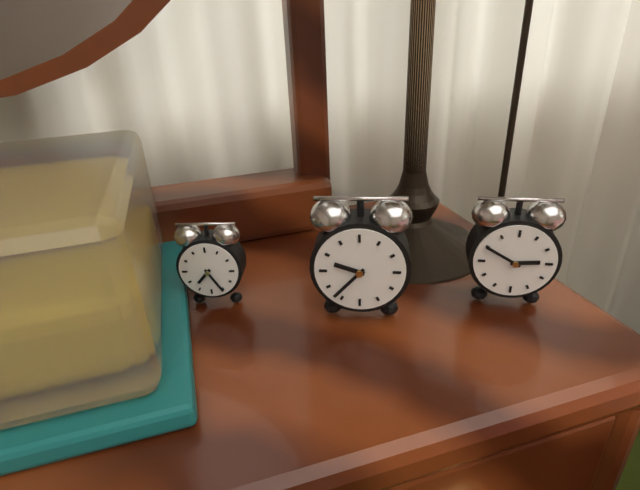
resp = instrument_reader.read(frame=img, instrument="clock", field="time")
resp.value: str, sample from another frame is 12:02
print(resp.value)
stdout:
9:37
